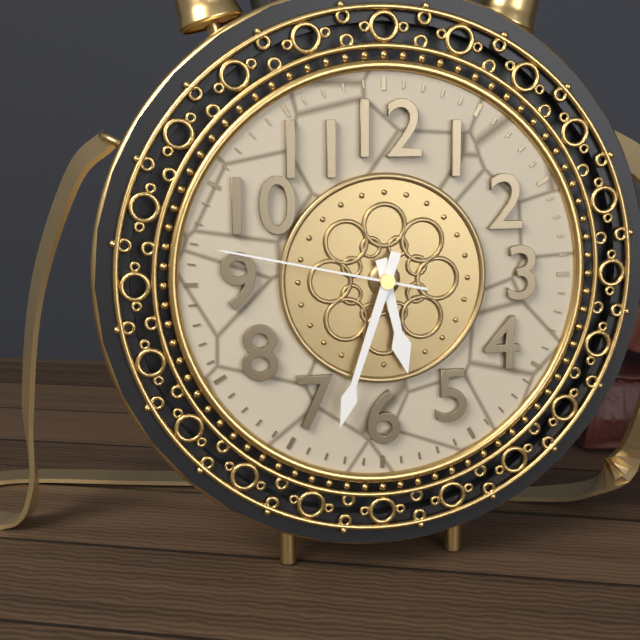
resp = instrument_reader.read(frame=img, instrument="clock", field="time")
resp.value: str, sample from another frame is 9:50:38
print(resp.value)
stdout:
5:33:47
